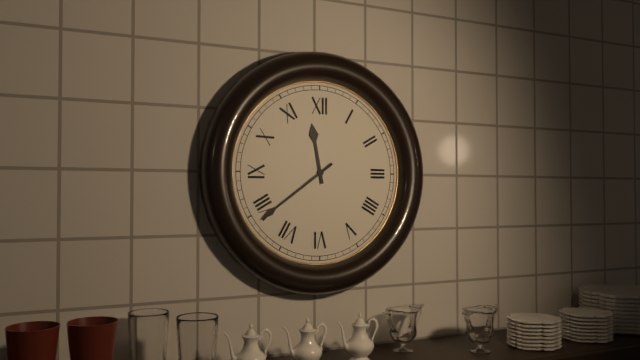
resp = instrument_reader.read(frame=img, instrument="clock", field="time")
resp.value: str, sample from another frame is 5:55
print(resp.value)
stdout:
11:39
